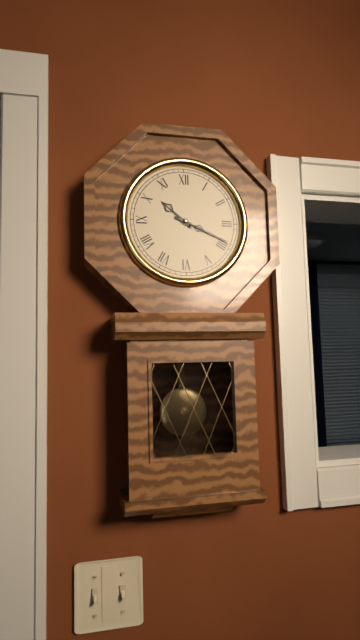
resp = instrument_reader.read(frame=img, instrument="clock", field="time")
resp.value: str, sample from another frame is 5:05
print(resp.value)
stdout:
10:19
